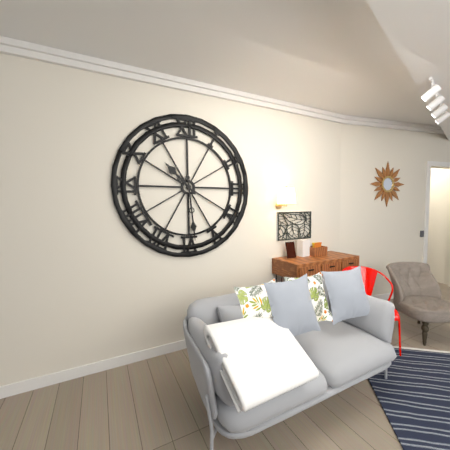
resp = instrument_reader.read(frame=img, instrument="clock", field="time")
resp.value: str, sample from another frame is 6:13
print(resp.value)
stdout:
10:29
